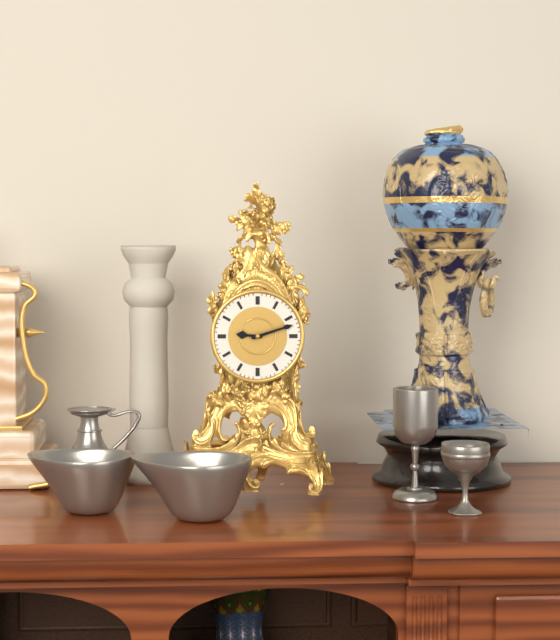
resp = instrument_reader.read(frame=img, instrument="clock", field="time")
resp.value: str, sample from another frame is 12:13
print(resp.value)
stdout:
9:12
